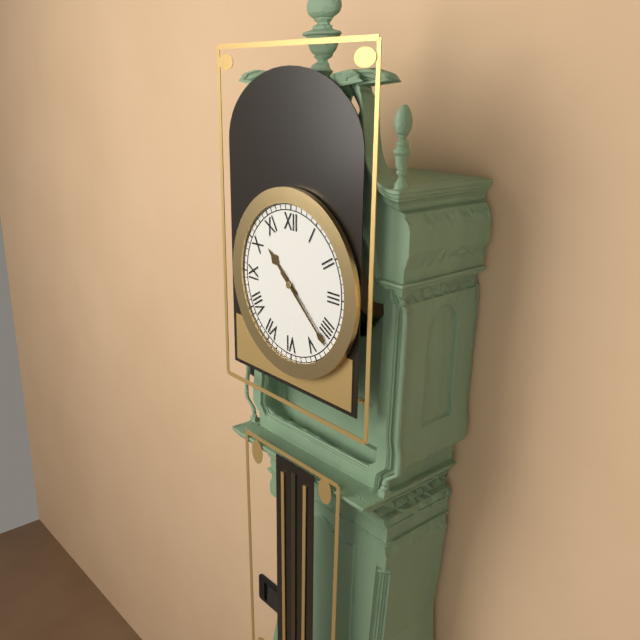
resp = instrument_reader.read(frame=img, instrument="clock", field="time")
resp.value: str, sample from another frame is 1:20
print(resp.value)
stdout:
10:22
